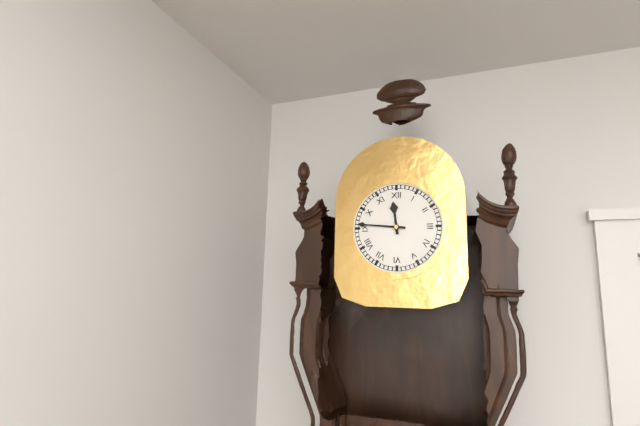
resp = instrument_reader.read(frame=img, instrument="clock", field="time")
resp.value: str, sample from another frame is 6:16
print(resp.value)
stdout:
11:46
